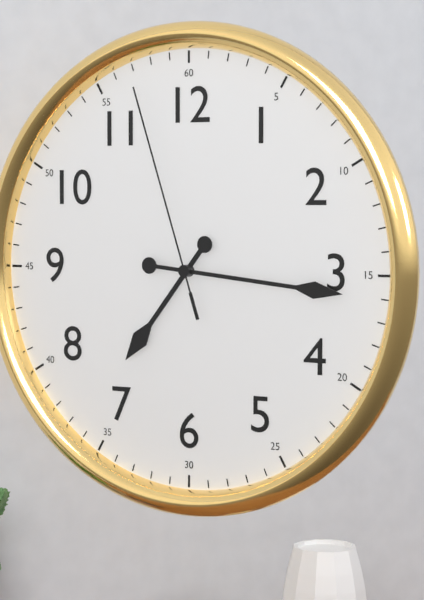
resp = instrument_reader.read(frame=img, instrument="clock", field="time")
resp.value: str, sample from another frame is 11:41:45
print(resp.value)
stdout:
7:16:57
